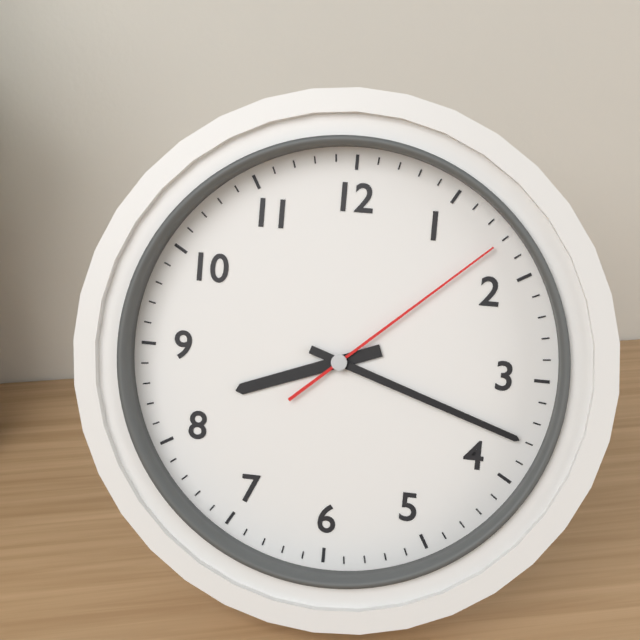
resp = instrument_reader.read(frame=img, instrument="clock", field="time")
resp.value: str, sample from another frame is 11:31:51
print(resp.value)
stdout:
8:18:08
